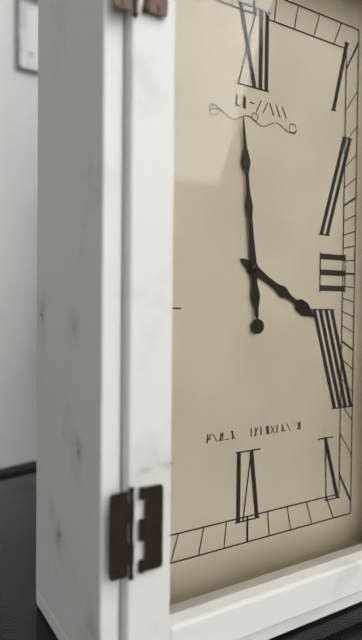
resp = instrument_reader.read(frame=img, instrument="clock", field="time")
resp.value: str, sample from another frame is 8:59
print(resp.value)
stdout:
3:59
